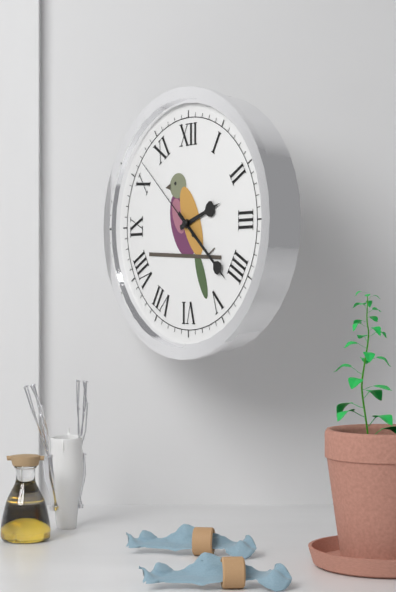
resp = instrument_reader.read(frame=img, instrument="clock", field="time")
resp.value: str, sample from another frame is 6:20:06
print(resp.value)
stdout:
2:22:52
